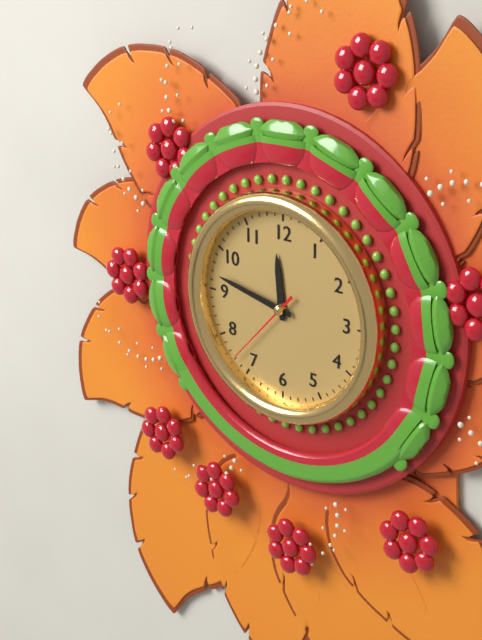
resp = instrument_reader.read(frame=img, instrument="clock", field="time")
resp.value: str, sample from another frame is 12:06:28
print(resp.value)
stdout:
11:47:37
